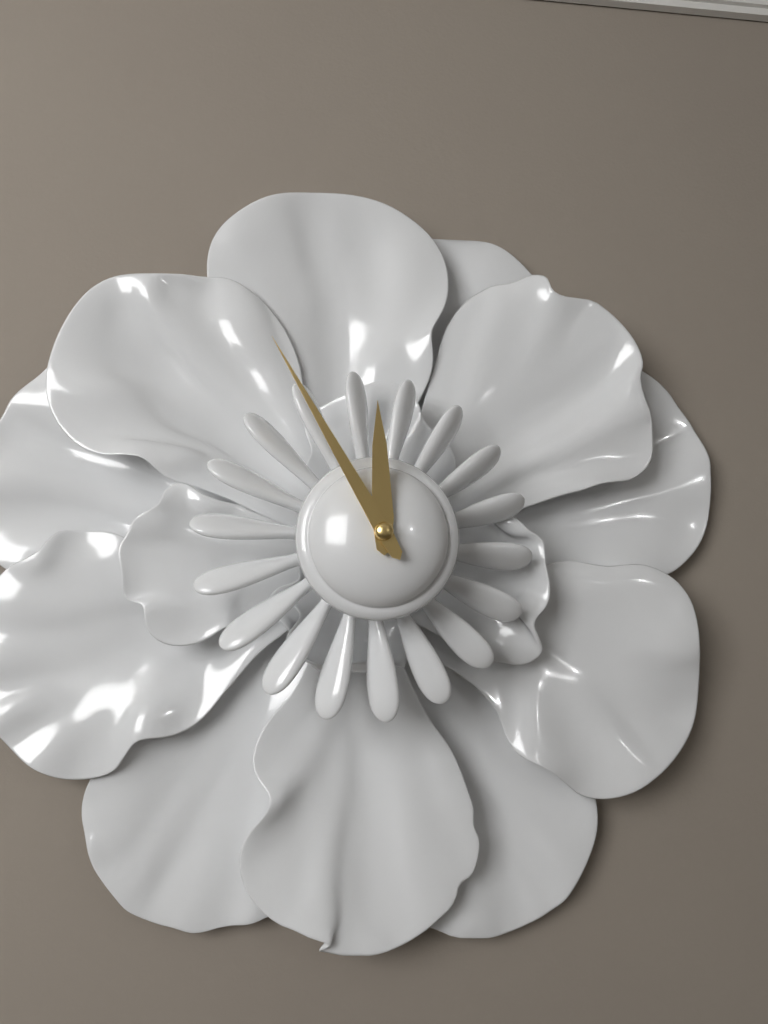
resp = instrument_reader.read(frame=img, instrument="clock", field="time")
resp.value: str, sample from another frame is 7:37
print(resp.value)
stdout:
11:55
